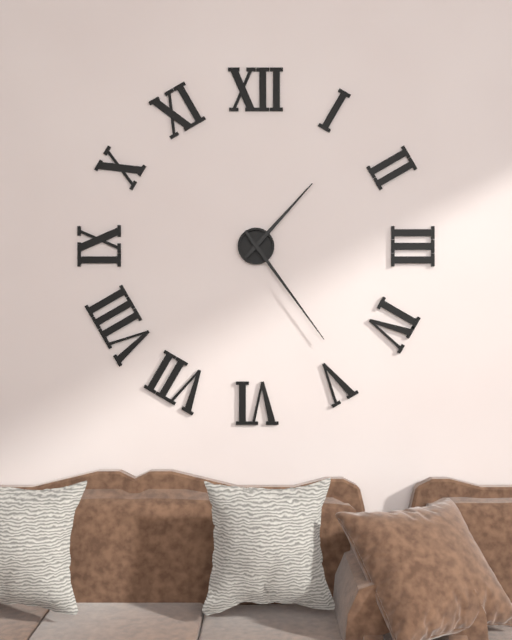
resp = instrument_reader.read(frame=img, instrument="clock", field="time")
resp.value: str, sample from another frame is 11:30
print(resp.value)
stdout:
1:24
